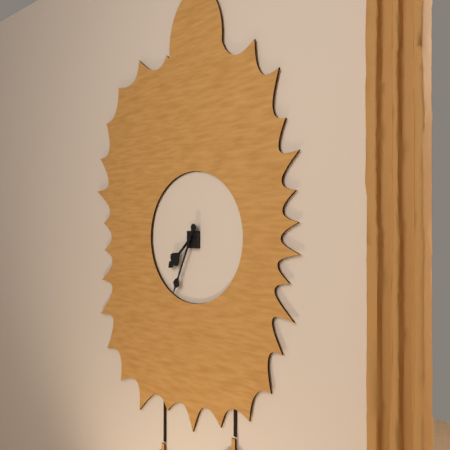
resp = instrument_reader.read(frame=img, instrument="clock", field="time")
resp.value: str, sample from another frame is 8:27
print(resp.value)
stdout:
7:34
